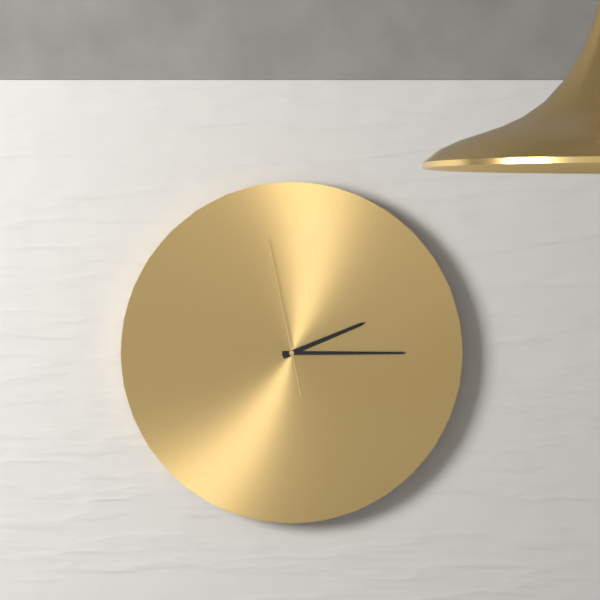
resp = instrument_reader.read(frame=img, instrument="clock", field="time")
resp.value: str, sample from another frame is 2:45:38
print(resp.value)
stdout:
2:15:58
